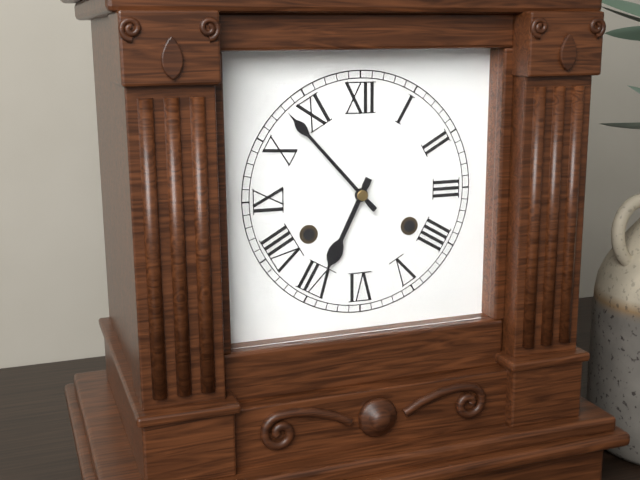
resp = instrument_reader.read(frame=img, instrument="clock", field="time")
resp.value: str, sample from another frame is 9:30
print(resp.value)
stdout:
6:53
